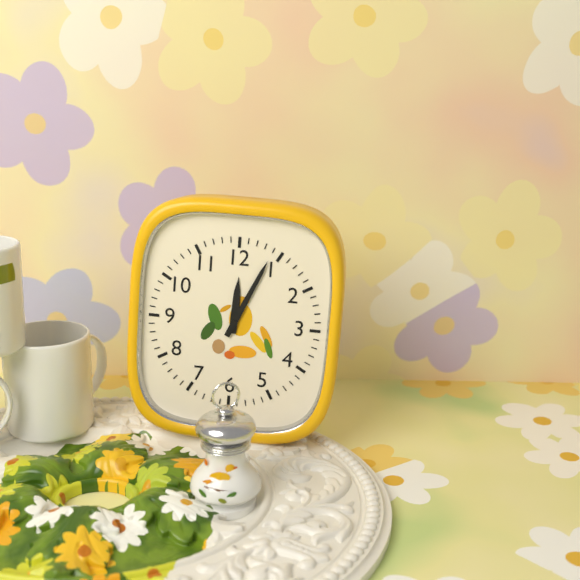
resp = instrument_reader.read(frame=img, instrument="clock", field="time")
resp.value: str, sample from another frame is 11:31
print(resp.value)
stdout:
12:04
